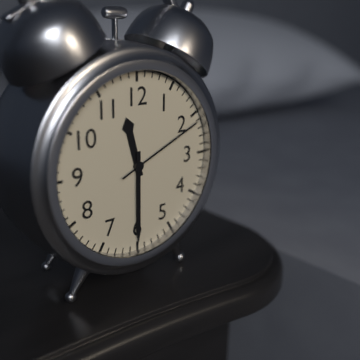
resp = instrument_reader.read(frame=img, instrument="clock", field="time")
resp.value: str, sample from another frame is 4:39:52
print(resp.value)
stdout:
11:30:11
